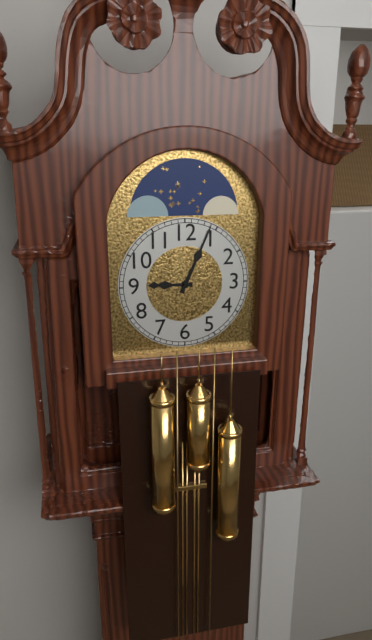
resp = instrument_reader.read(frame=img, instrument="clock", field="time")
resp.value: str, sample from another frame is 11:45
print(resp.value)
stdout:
9:04
